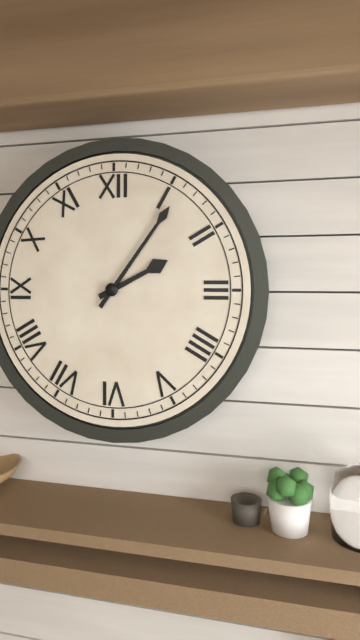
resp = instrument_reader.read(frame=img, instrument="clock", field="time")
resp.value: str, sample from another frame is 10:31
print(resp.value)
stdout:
2:06
